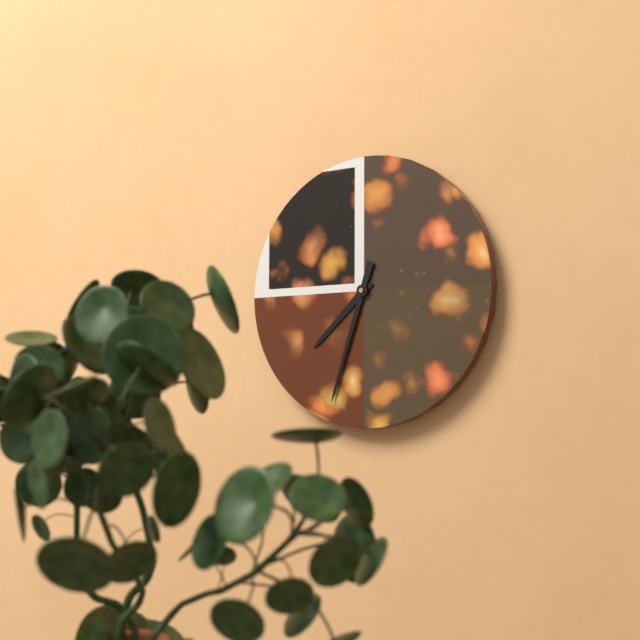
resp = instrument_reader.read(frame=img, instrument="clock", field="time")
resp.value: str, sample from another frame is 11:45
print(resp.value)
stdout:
7:33
